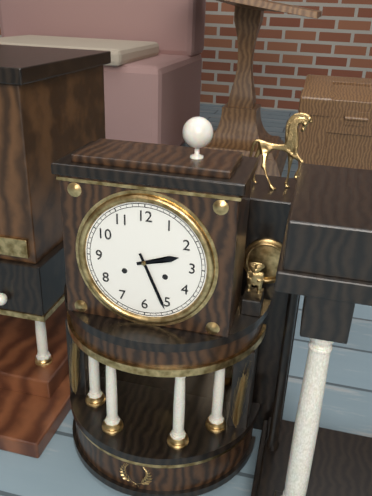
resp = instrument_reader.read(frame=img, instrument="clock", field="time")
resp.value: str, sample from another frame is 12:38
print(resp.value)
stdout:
2:26
